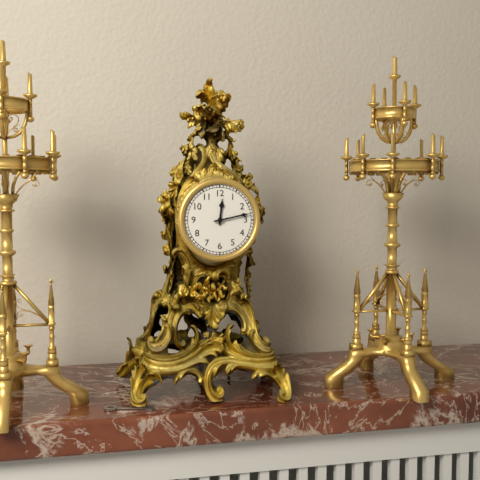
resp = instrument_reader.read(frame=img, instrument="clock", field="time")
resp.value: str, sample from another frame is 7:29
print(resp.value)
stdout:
12:13
